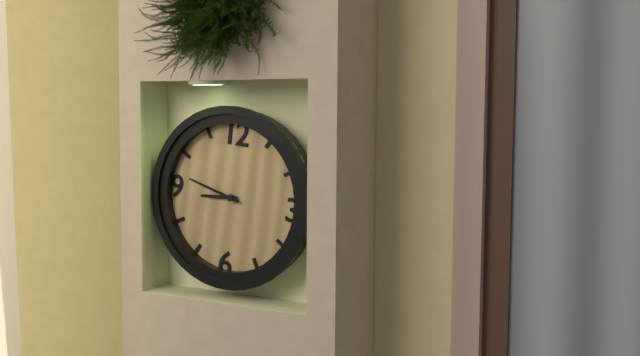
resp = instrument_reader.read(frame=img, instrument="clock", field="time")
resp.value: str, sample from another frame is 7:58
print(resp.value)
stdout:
8:47
